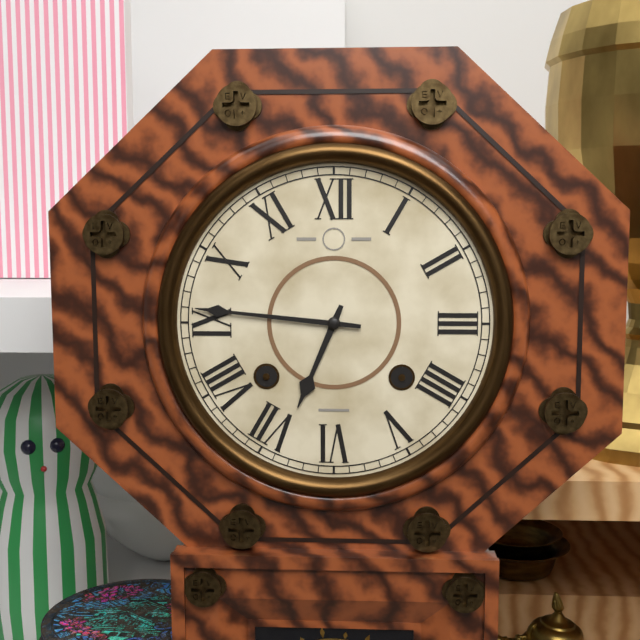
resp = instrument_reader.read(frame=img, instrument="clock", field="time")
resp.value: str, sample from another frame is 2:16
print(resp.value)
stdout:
6:46
